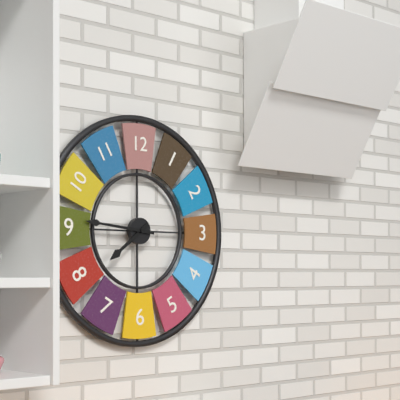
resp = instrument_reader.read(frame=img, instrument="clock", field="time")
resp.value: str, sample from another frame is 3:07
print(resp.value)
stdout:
7:46
